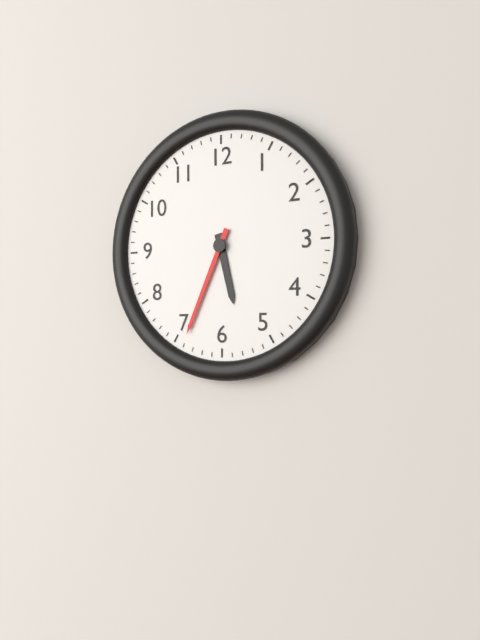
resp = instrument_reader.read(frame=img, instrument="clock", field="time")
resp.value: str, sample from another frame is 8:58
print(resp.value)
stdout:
5:34
